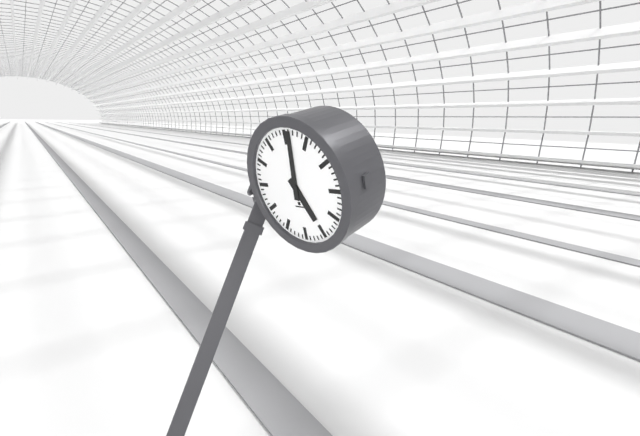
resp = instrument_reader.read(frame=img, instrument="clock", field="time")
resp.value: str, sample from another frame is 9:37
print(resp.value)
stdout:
5:01
